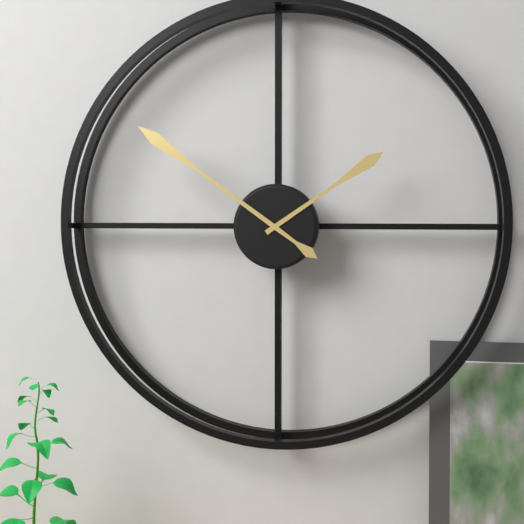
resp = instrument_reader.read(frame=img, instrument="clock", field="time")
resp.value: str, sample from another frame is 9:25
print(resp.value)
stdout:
1:51
